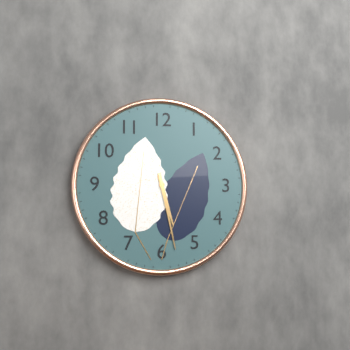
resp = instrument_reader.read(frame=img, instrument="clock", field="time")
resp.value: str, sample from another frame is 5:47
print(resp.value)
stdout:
5:28
